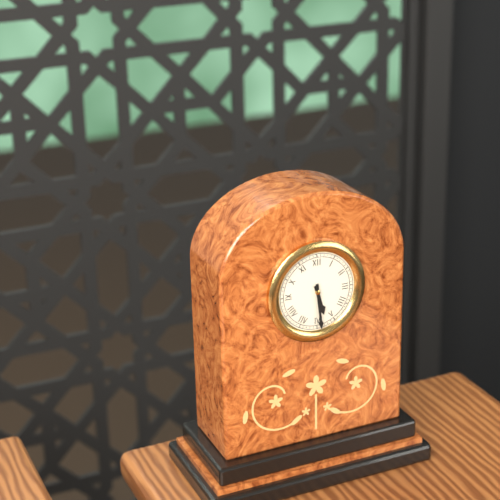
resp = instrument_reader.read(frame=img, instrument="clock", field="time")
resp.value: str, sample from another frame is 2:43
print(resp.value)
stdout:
5:29
